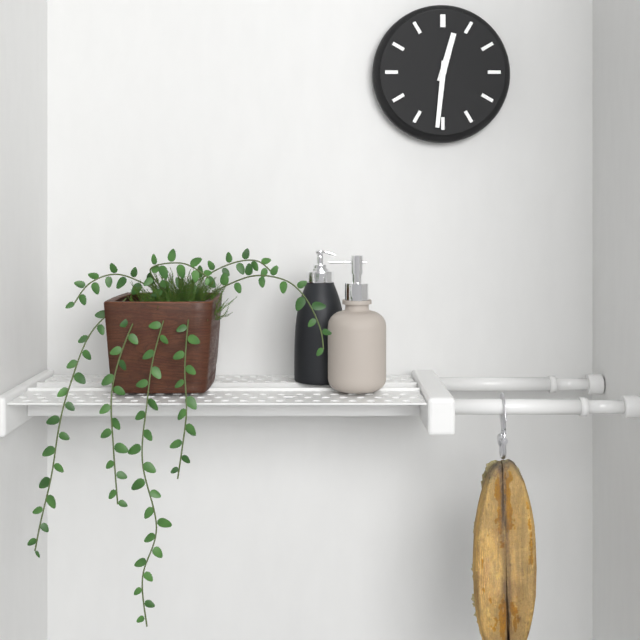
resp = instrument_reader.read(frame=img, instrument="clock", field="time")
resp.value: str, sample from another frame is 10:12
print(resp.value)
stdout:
12:31
